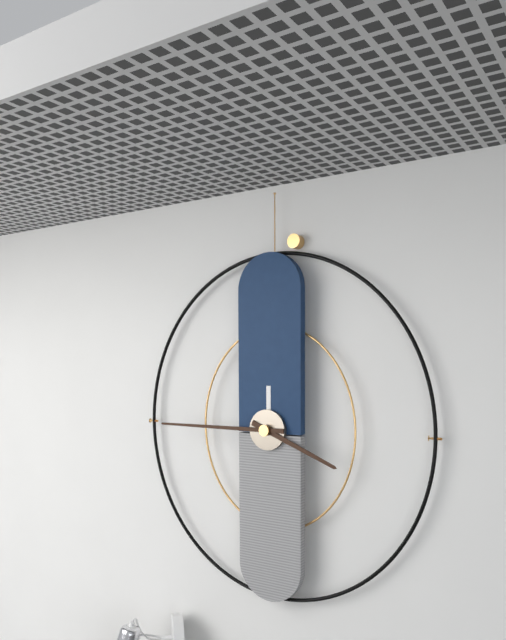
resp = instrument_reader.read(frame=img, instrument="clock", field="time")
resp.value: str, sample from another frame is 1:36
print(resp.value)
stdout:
3:45
